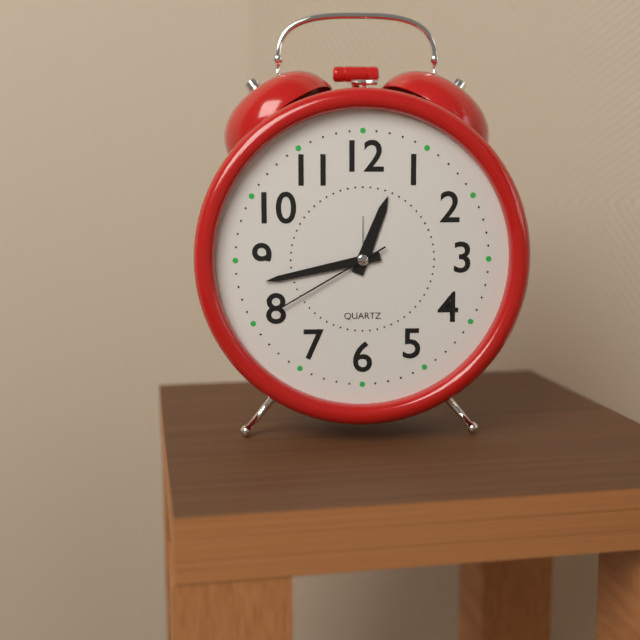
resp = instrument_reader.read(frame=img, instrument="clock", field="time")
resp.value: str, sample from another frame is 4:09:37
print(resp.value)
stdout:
12:43:40
